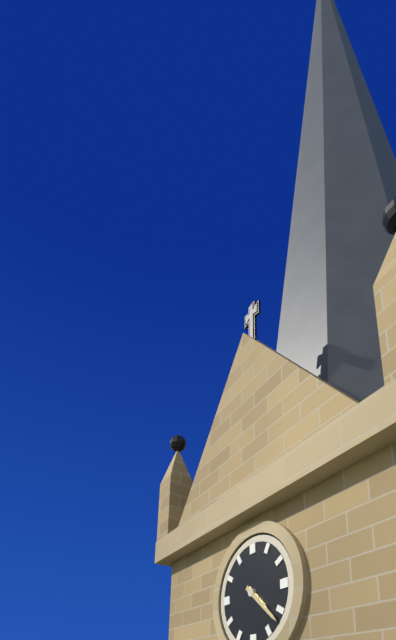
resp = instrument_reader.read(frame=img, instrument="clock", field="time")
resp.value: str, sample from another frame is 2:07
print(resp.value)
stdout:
4:22
